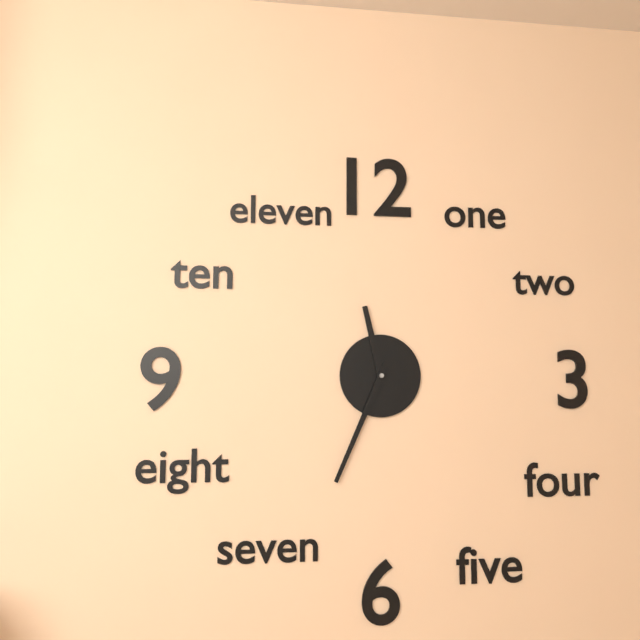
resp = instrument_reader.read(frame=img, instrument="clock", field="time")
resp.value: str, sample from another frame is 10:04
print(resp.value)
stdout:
11:34
